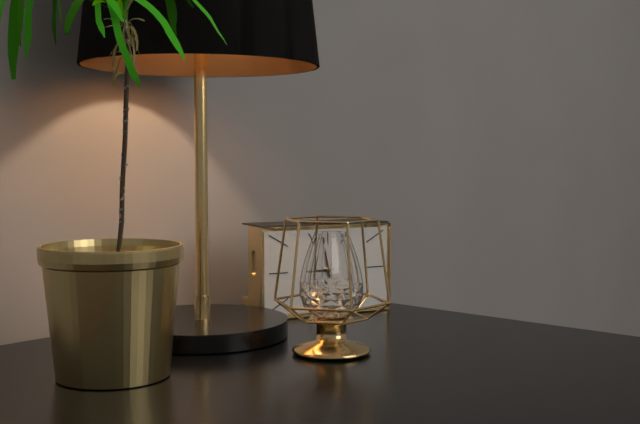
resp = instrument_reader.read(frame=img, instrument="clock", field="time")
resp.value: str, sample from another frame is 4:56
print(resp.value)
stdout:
8:58
